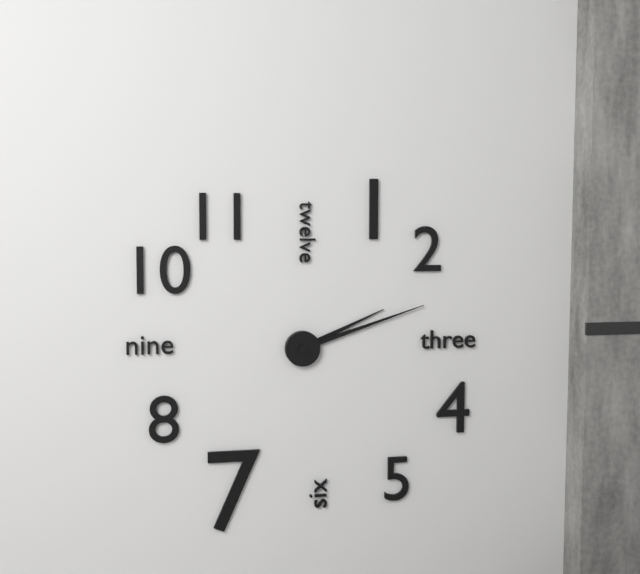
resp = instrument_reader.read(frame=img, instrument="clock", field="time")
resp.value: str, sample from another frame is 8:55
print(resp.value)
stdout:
2:12
